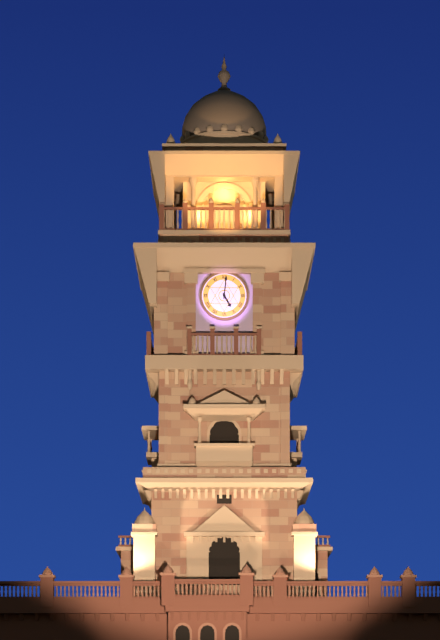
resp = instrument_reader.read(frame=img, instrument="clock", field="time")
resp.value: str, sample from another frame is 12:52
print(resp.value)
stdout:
5:01
